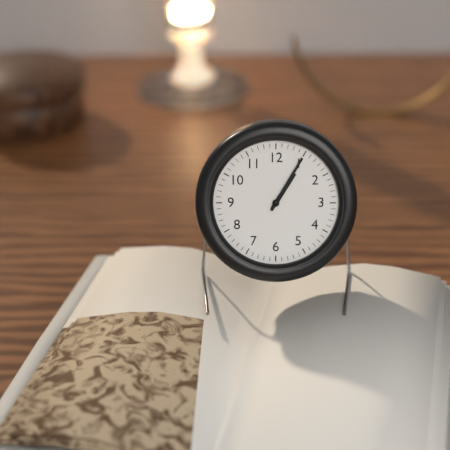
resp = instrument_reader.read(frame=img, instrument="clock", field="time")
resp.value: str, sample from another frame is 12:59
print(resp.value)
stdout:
1:05
